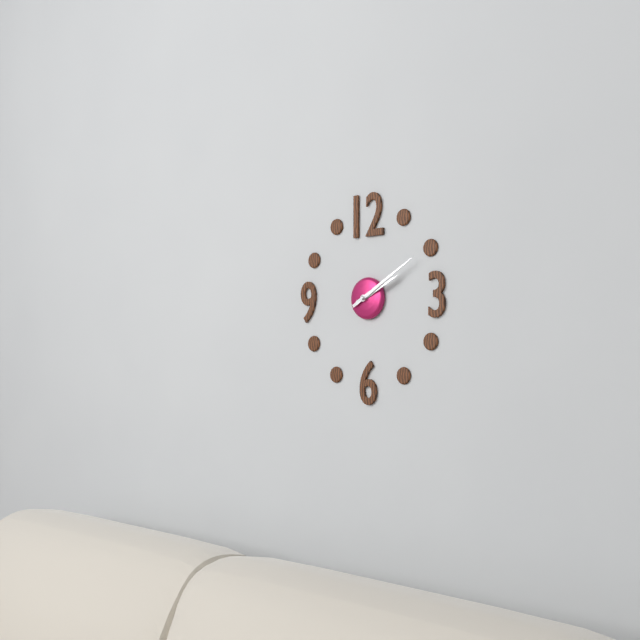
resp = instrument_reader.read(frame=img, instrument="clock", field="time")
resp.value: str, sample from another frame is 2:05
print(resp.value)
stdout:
2:10
